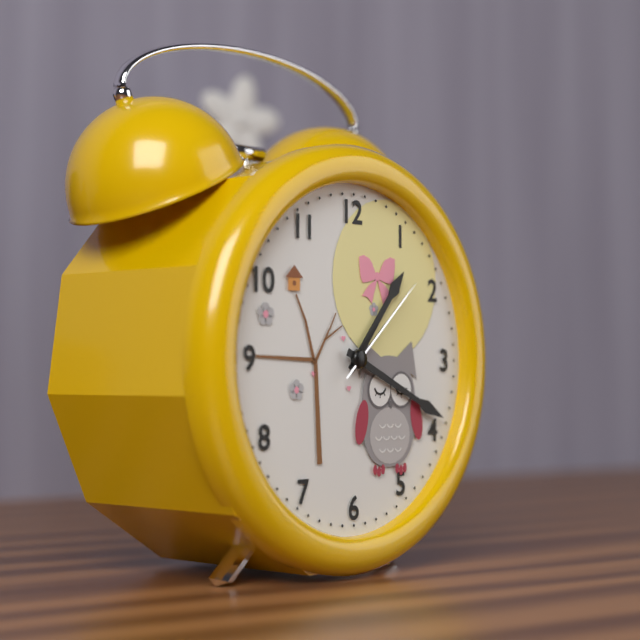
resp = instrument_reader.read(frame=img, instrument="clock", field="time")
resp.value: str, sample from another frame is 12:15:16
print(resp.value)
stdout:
1:19:08
